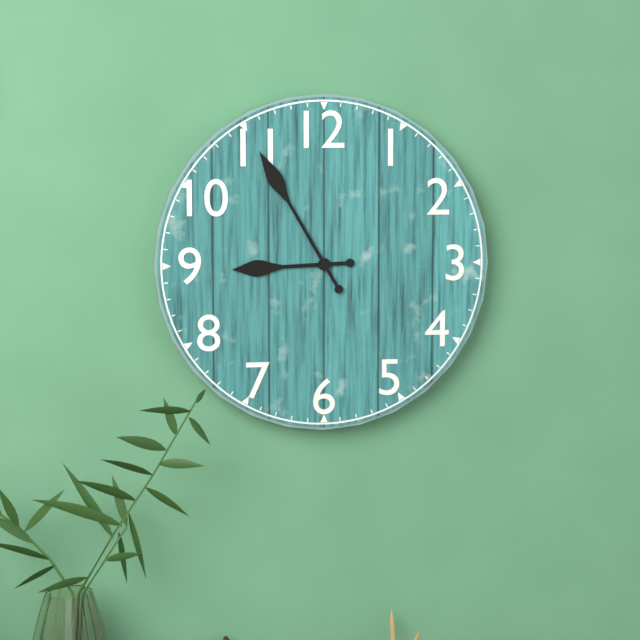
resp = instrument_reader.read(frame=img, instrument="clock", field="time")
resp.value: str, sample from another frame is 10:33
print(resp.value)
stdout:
8:55
